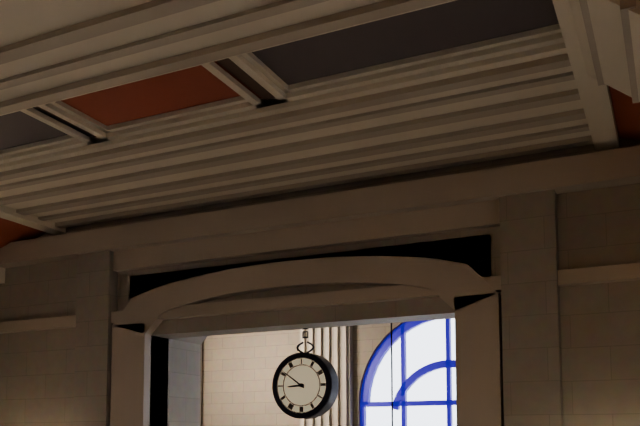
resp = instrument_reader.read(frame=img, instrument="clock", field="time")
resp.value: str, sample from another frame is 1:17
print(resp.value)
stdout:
8:51
